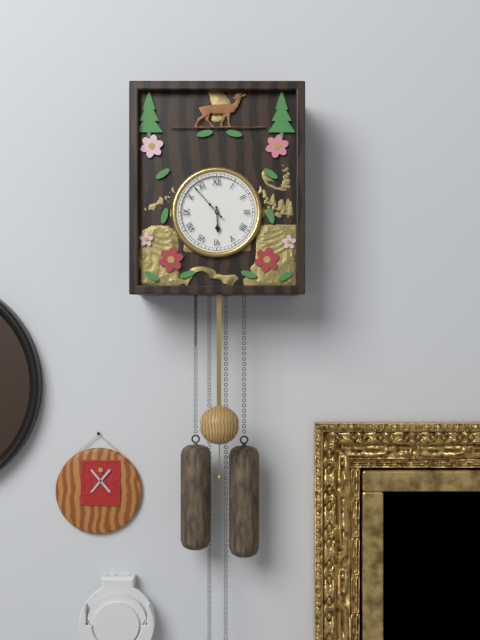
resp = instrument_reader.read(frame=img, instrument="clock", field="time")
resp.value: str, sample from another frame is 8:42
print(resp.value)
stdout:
5:53
